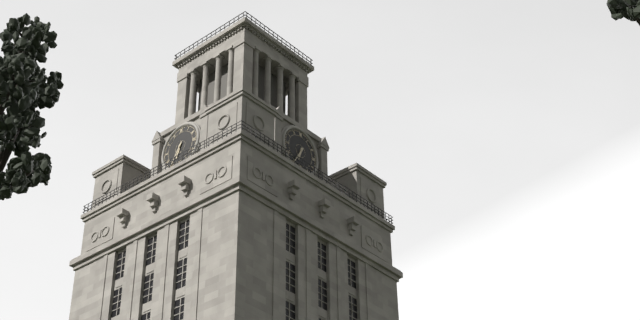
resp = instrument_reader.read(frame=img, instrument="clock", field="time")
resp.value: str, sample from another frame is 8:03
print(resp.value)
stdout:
6:35
